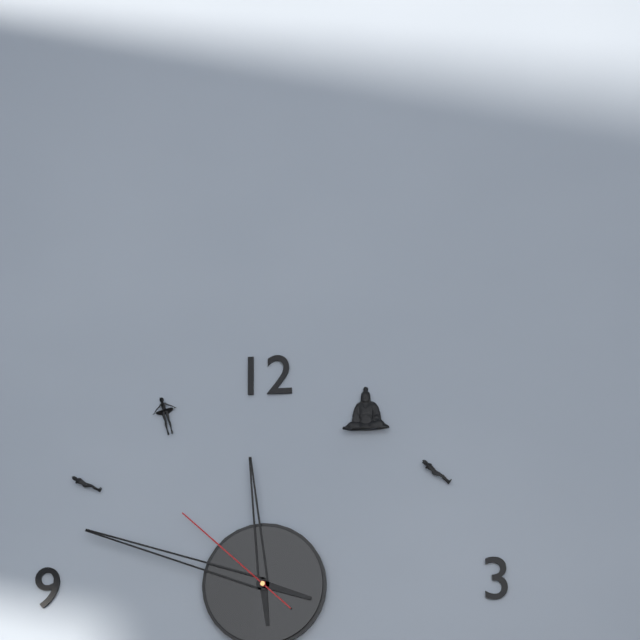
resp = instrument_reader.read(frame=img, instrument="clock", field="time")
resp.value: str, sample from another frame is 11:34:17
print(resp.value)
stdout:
11:48:52
